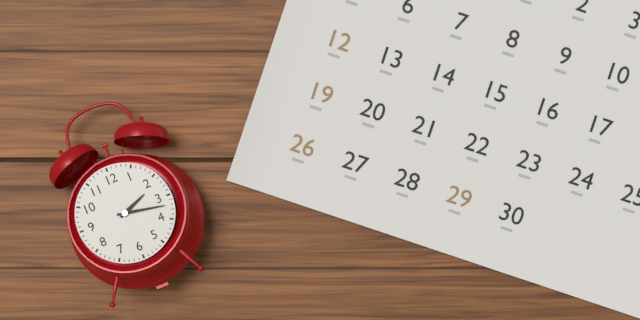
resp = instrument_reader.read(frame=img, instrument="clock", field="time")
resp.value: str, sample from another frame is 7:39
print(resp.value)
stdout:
2:17
